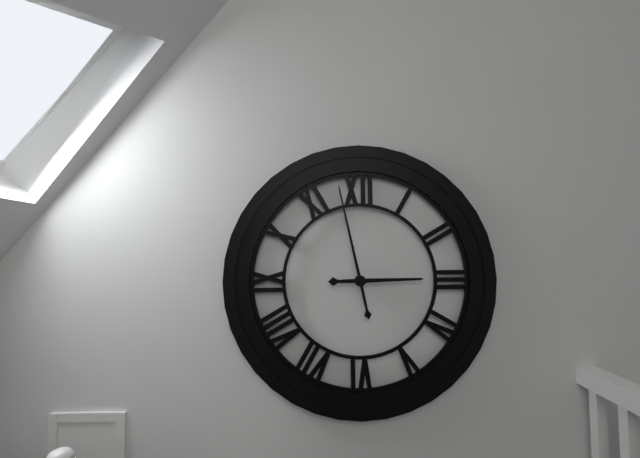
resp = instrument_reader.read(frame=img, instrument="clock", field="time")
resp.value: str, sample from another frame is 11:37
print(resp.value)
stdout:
2:58
